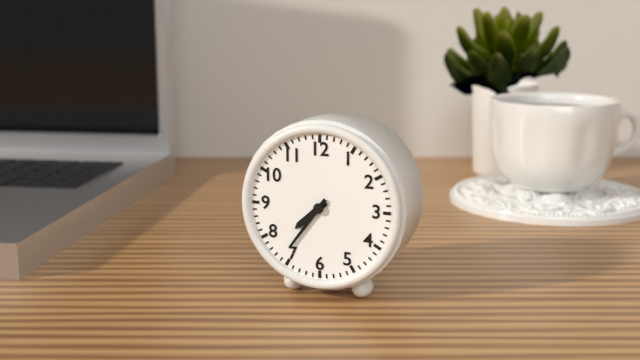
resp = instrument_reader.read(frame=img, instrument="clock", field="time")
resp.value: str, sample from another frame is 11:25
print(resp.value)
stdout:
7:36
